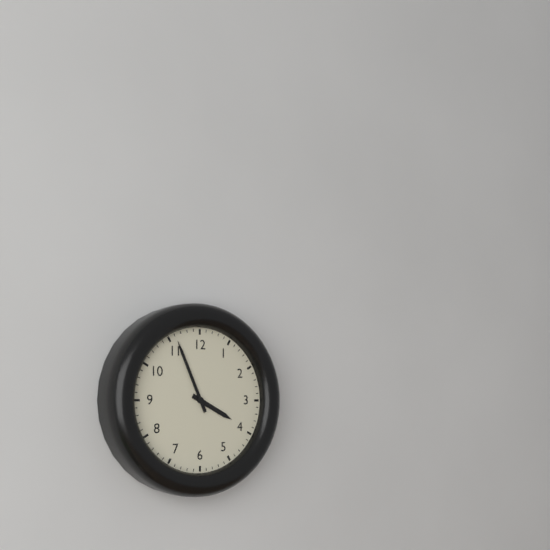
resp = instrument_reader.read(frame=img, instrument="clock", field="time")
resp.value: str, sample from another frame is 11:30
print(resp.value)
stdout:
3:56
